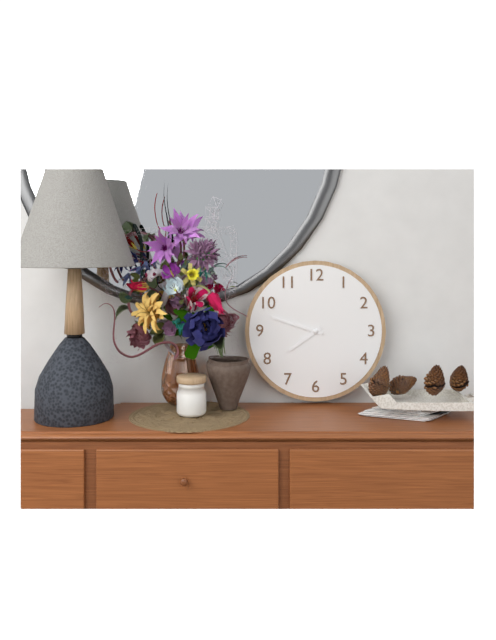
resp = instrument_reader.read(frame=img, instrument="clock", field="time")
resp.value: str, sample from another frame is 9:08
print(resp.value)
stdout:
7:48
